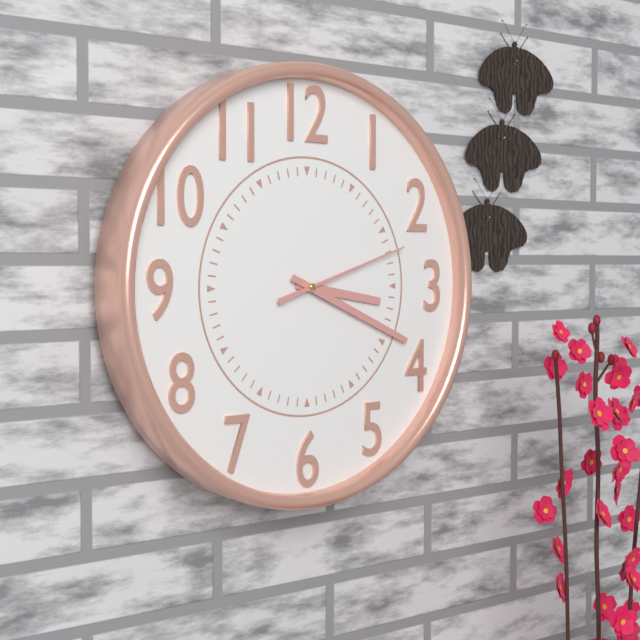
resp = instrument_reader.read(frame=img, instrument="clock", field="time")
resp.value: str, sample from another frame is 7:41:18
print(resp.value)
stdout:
3:19:12
